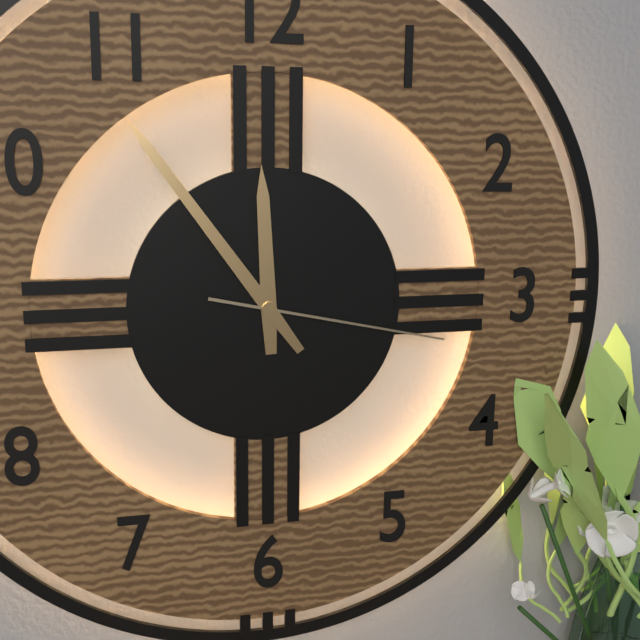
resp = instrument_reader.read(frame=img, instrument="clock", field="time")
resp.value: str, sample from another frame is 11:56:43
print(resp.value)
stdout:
11:54:17
